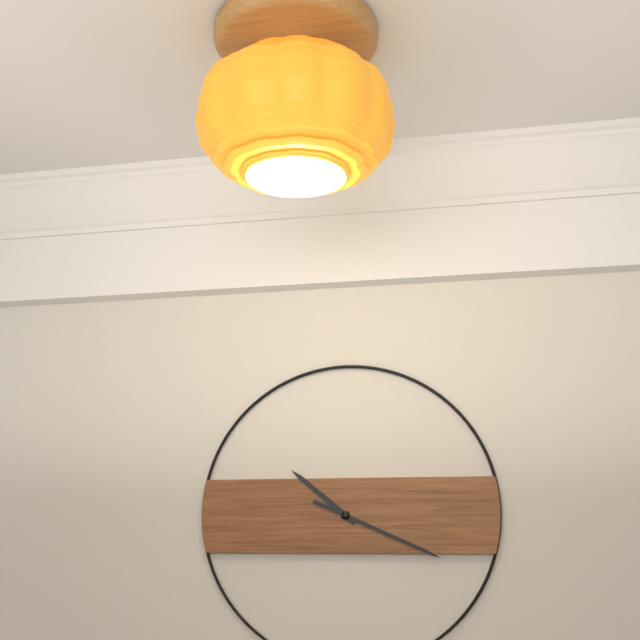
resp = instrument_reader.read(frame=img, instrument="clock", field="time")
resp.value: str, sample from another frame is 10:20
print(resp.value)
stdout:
10:19
